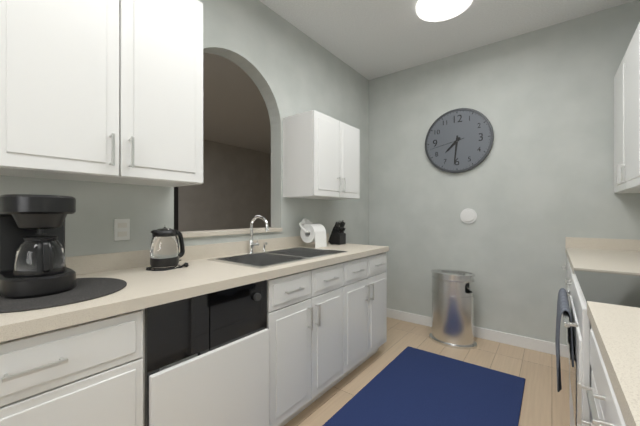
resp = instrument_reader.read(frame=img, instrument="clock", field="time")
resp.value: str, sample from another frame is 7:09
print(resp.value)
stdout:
7:31
